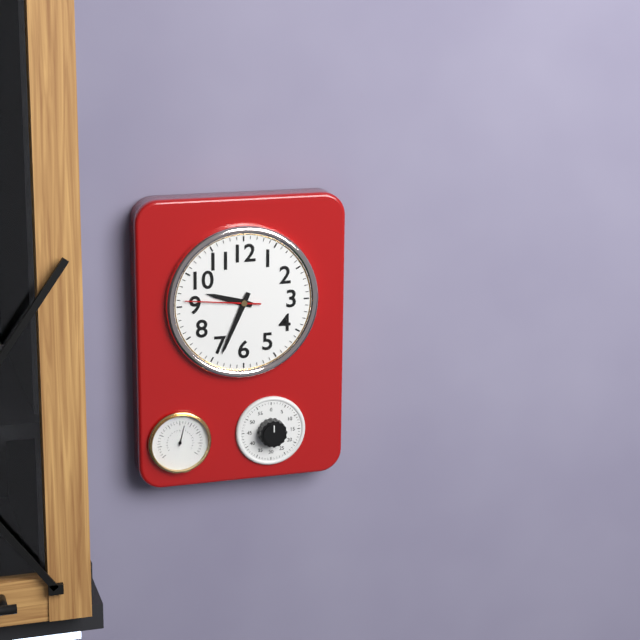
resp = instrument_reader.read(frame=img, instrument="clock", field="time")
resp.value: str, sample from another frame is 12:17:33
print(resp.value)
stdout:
9:34:46
